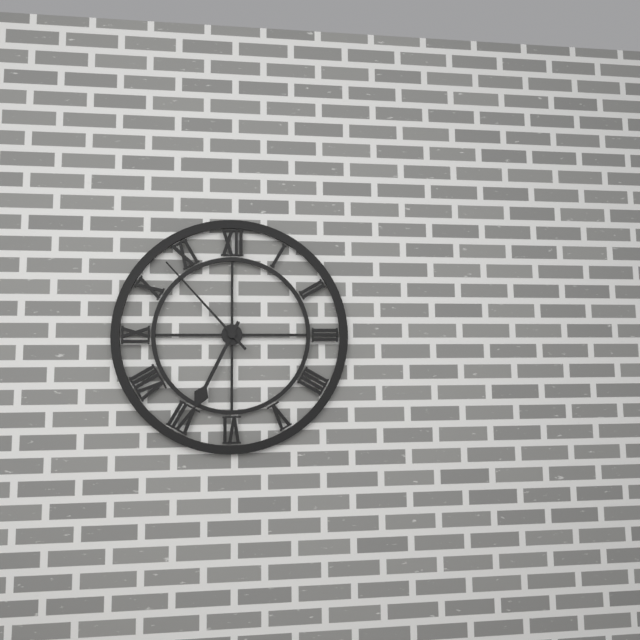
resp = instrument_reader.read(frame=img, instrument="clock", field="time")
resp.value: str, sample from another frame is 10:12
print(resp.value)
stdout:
6:53
